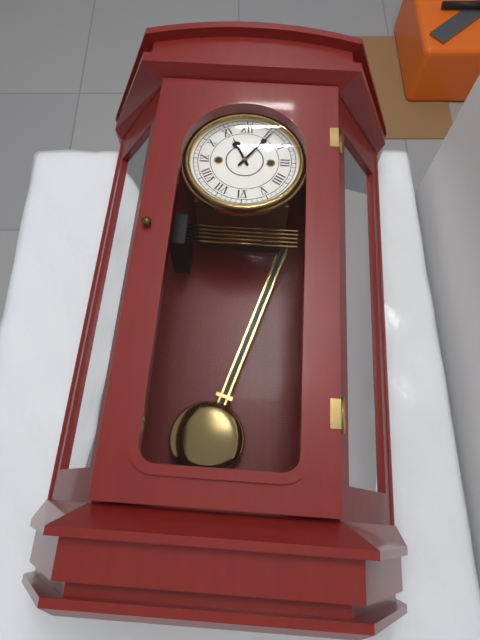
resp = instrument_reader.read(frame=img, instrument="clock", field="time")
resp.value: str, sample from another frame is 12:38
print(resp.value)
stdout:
11:06
